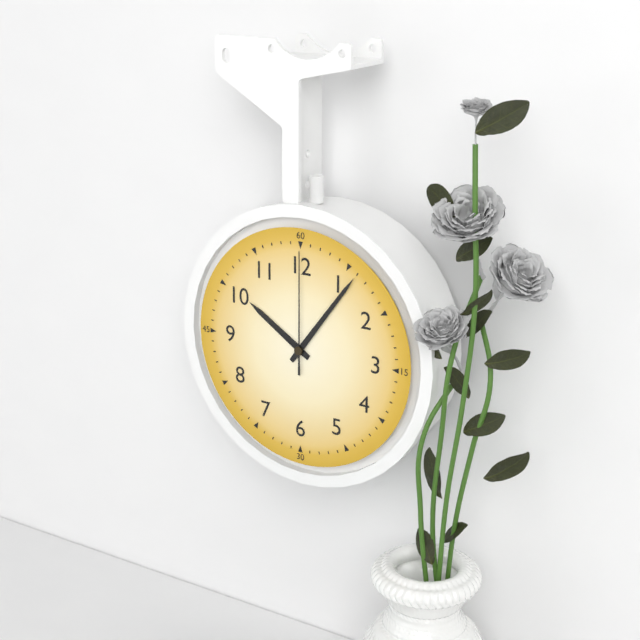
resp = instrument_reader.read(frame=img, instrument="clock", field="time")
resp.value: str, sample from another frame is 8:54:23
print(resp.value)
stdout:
10:06:00
